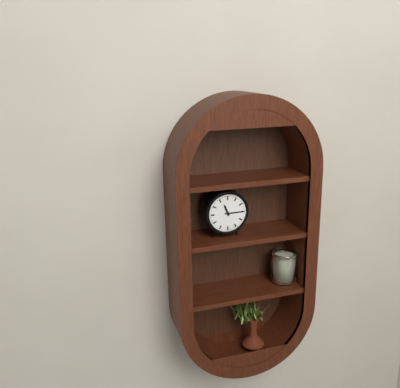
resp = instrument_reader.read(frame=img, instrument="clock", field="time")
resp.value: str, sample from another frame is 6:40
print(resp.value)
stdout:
11:15
